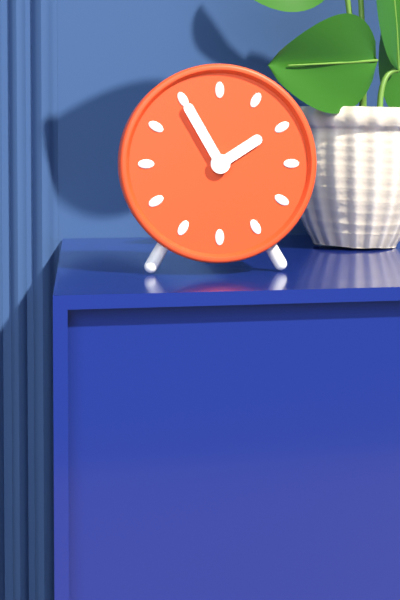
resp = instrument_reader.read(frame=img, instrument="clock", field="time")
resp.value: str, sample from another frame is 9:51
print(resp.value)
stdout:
1:55
